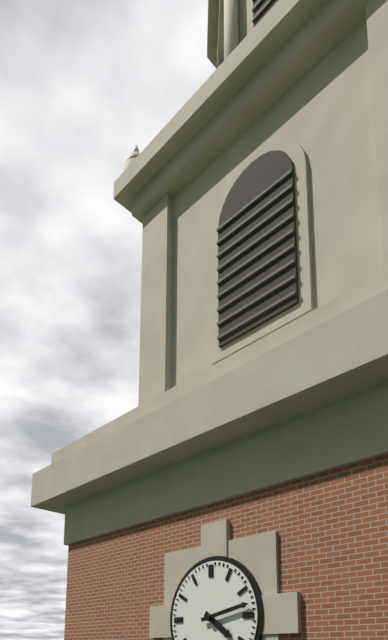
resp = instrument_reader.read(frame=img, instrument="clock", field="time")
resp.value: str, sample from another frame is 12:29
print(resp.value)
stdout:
4:13
